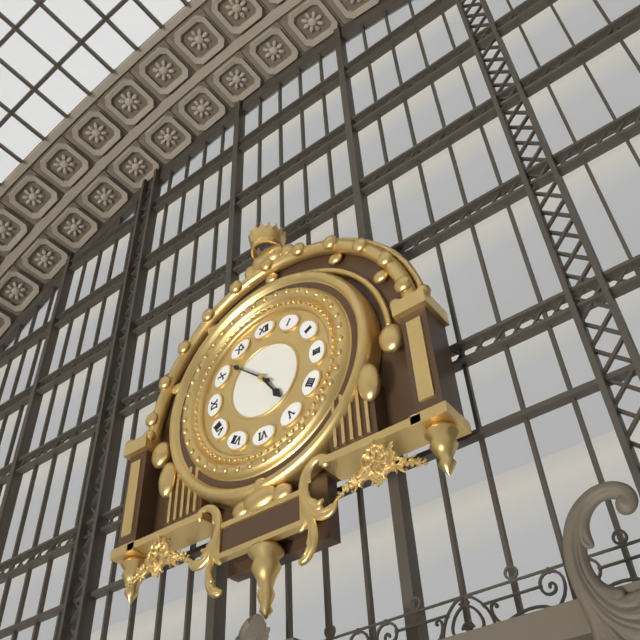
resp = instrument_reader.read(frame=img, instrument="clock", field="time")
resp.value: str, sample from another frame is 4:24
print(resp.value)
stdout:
4:52
